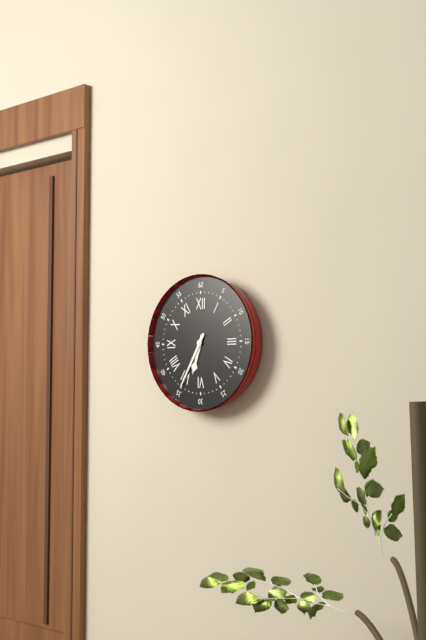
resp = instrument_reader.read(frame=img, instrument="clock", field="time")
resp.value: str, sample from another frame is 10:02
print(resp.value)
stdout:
6:35
